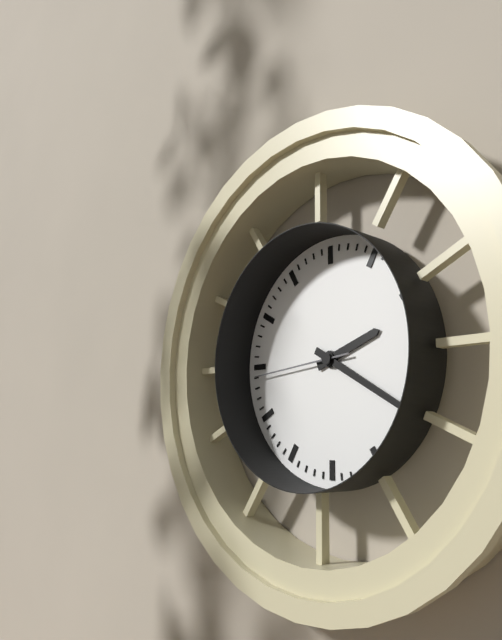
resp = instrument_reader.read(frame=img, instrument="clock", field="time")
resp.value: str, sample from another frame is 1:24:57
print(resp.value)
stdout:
2:20:44
